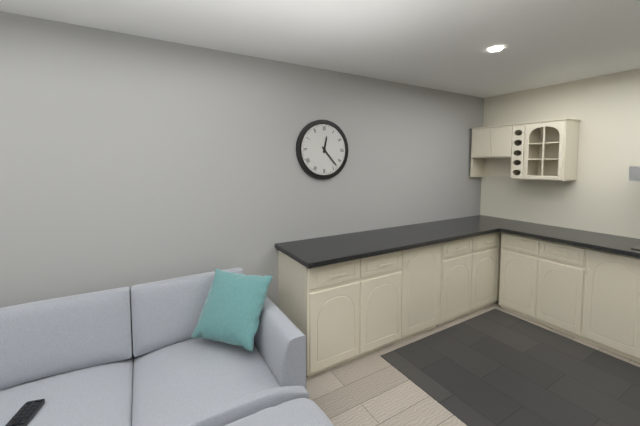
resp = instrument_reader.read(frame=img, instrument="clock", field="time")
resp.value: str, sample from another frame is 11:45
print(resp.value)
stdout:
12:23
